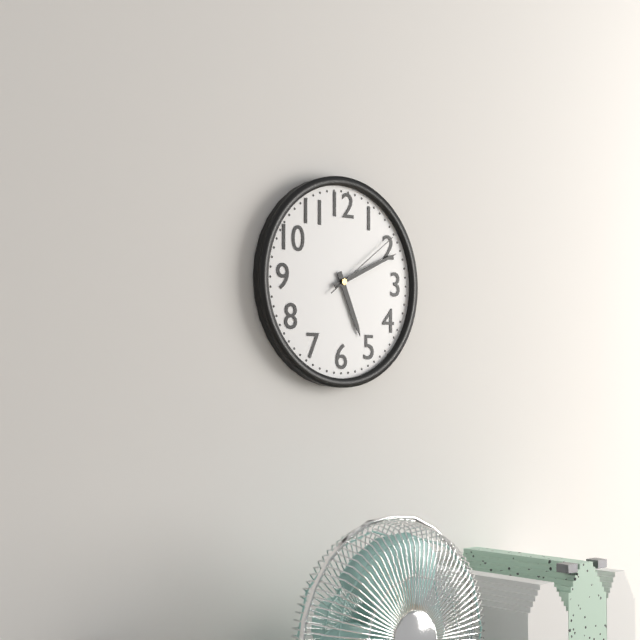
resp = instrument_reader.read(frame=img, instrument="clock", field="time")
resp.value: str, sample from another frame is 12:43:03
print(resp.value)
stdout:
5:11:09
